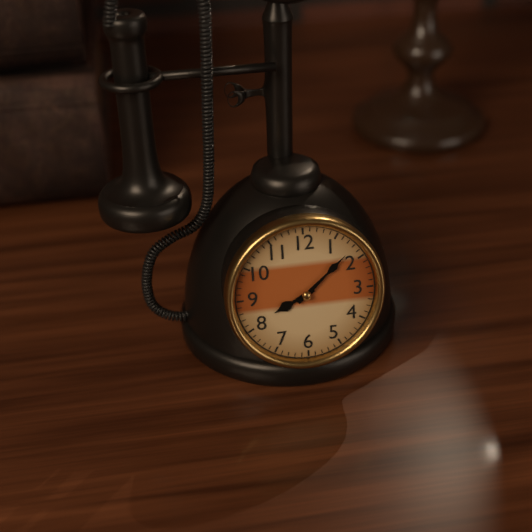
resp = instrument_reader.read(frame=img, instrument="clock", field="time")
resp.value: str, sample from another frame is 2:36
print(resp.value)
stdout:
8:08
